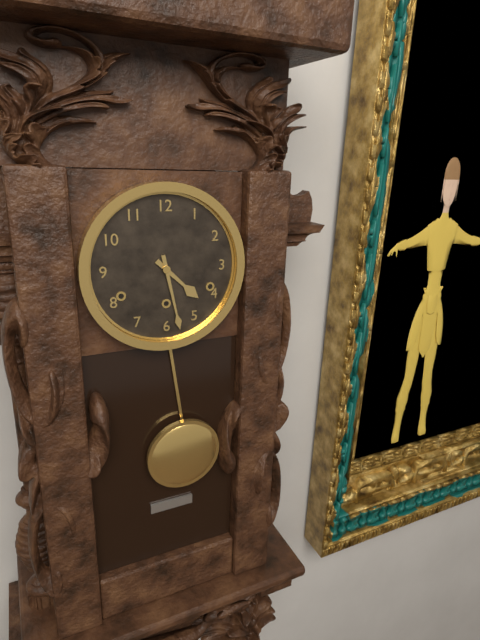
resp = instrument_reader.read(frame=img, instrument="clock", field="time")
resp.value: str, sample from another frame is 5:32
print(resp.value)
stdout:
4:28
